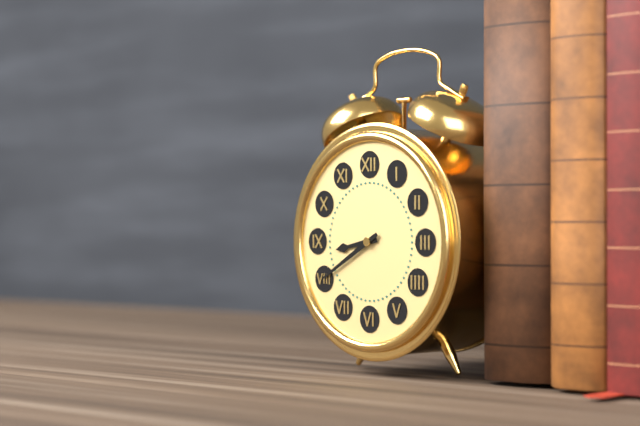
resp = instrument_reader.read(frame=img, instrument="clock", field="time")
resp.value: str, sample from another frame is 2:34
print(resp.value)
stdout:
8:40
